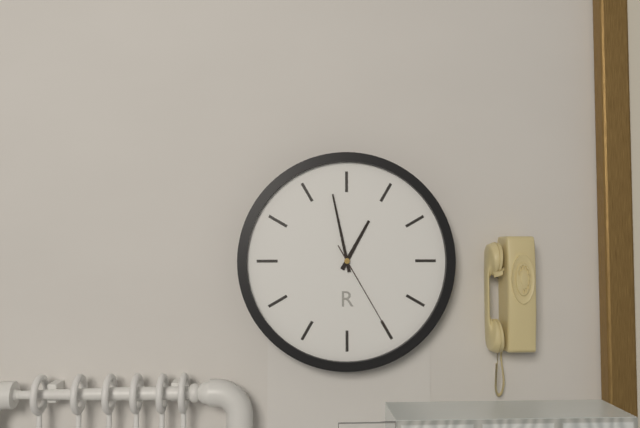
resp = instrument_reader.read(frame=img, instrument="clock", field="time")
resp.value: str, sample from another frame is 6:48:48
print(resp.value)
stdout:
12:58:25
